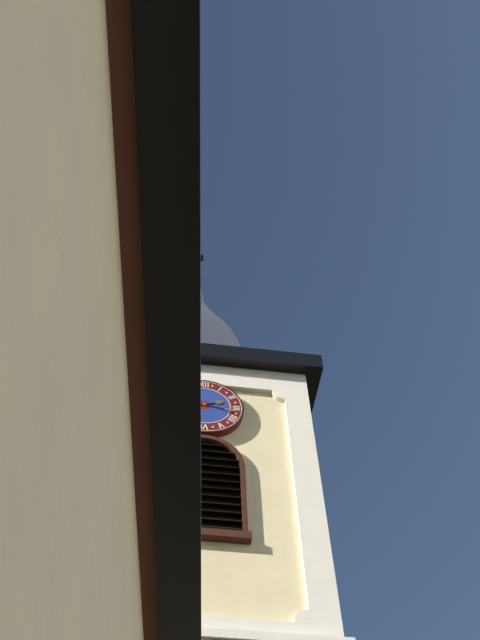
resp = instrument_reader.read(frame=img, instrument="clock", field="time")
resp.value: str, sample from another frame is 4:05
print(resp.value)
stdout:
2:17
